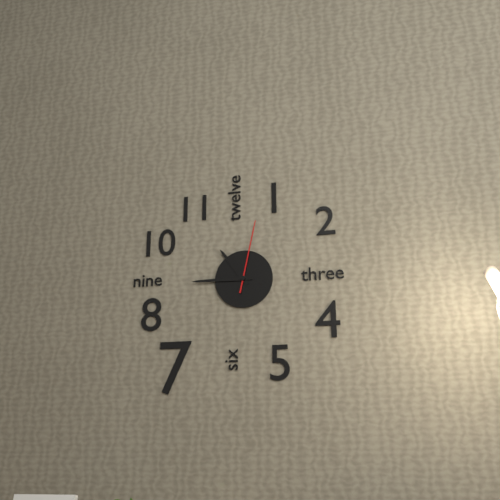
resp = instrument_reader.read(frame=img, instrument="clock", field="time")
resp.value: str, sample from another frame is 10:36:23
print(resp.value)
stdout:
10:45:02
